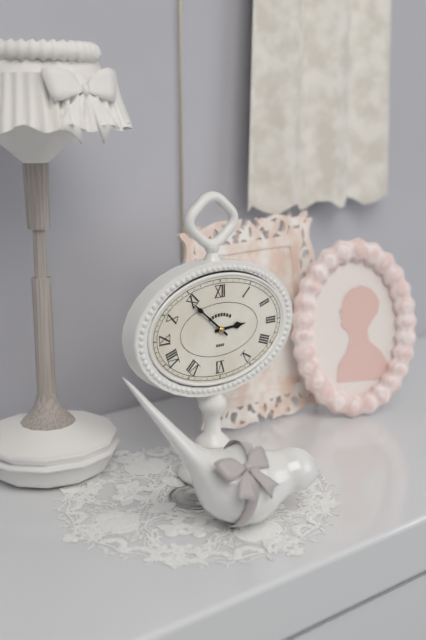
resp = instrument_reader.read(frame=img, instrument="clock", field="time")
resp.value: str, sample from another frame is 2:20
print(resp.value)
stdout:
2:52
